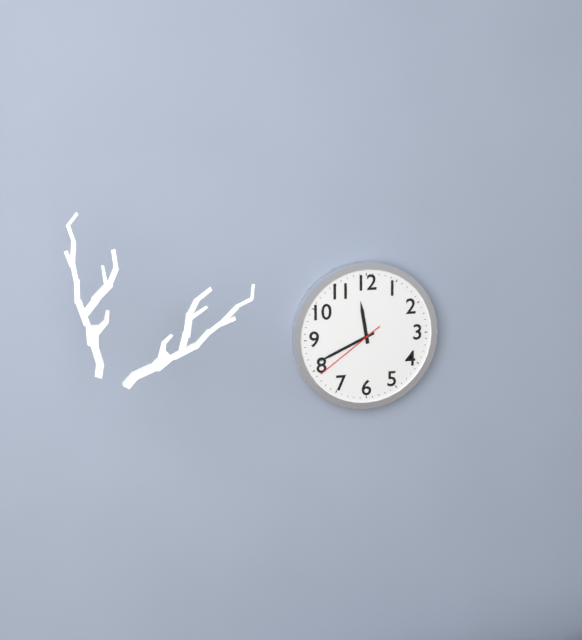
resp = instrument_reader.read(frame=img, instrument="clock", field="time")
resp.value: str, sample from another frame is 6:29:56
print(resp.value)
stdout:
11:41:39
